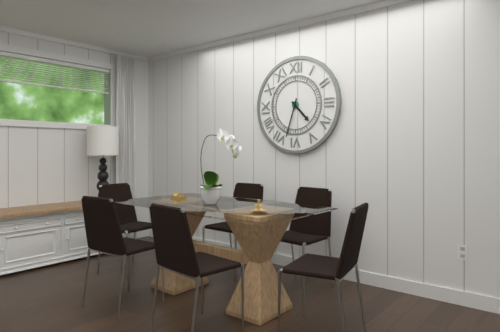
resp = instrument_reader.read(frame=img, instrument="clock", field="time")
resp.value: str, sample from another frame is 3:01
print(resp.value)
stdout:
4:33
